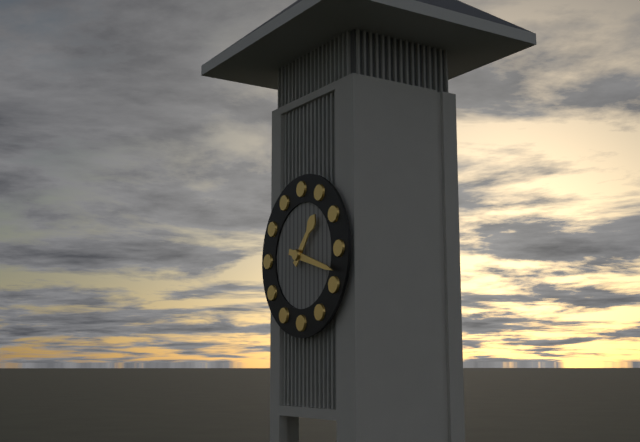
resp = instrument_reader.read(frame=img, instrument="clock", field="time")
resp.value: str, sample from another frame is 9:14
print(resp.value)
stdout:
1:18
